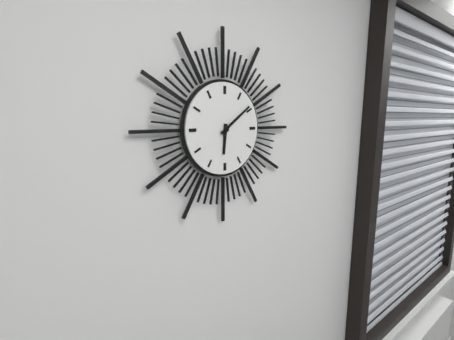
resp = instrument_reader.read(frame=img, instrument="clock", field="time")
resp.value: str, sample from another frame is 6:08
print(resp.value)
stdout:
6:09
